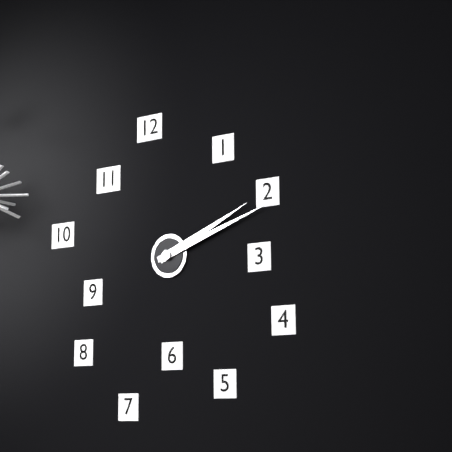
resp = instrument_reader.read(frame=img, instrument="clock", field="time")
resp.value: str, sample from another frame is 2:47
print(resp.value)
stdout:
2:12
